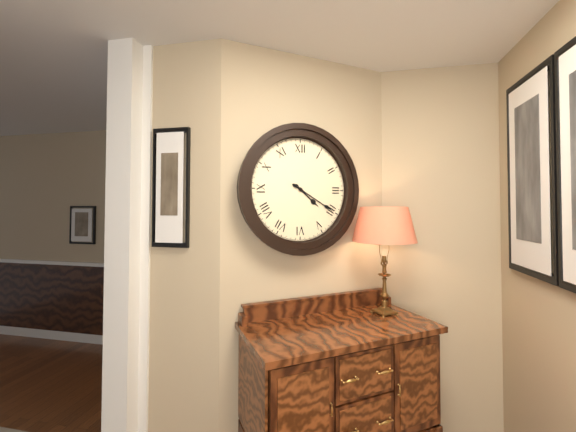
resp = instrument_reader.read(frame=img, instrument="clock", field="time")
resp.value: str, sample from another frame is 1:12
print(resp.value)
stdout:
4:20
